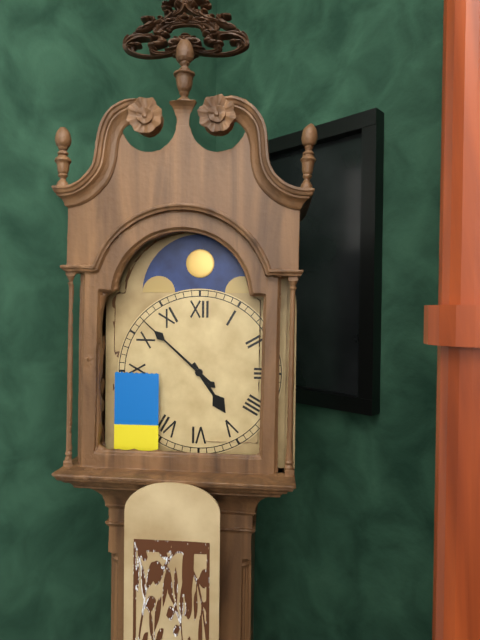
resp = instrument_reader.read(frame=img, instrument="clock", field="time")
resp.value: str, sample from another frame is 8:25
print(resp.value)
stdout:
4:52
